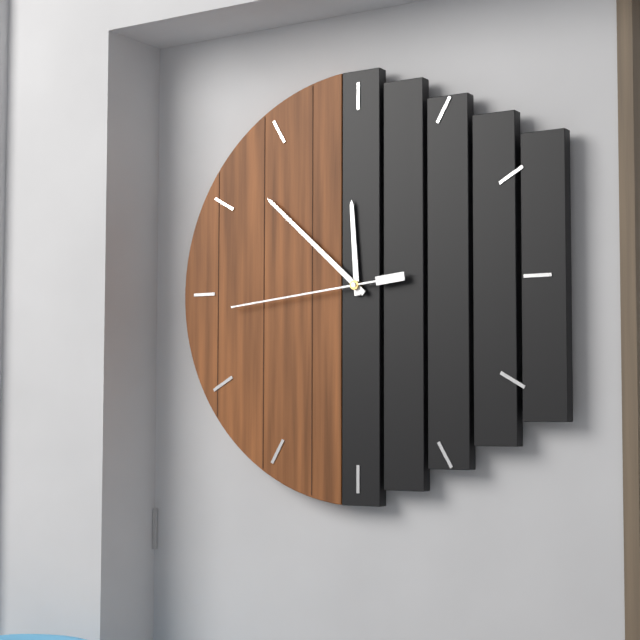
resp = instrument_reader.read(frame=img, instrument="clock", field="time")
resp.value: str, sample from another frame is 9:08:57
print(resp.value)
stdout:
11:52:44
